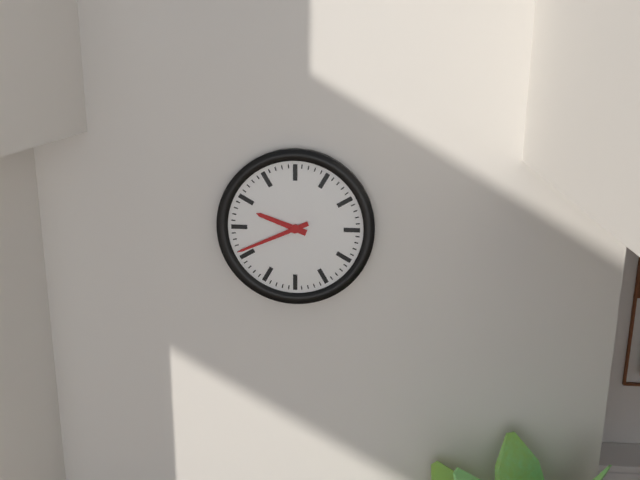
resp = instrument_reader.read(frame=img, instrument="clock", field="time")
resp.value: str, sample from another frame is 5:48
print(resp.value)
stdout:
9:41
